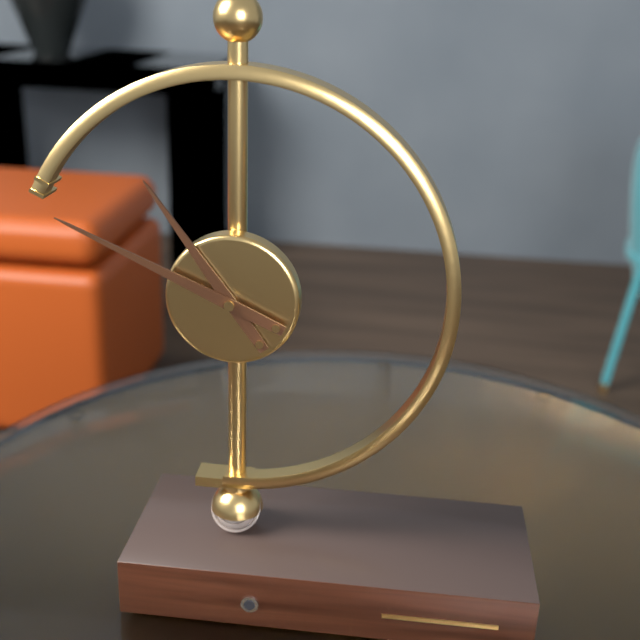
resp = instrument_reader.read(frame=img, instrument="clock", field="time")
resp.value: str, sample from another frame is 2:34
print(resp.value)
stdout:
10:49
